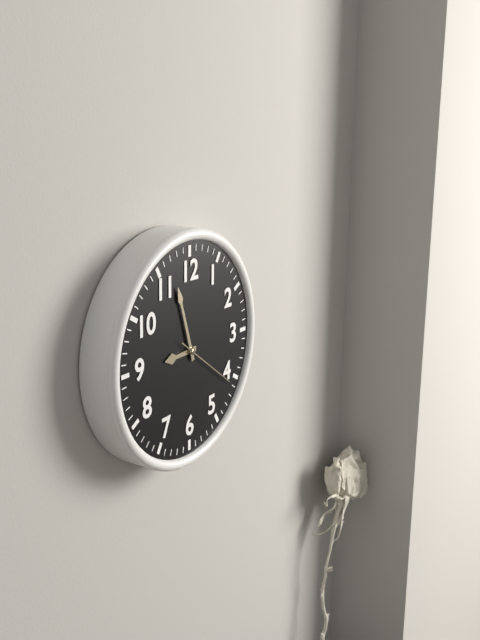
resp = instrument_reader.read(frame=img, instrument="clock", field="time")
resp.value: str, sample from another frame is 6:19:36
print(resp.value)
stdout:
8:57:21
